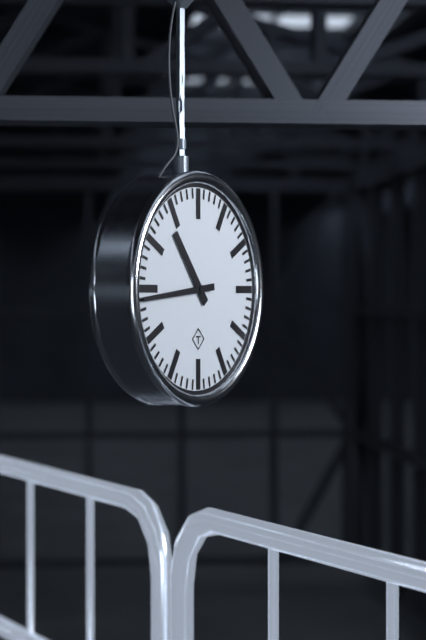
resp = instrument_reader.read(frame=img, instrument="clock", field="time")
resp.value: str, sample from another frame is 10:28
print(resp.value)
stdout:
10:44
